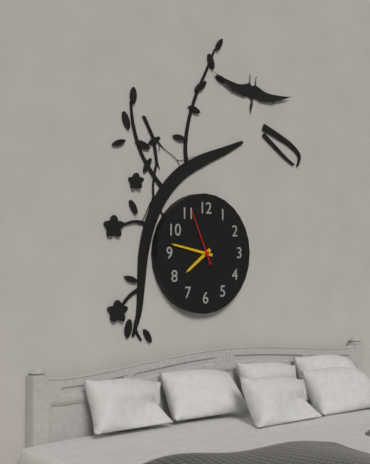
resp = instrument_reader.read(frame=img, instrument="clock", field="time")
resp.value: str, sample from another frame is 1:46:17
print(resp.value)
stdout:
7:47:56
